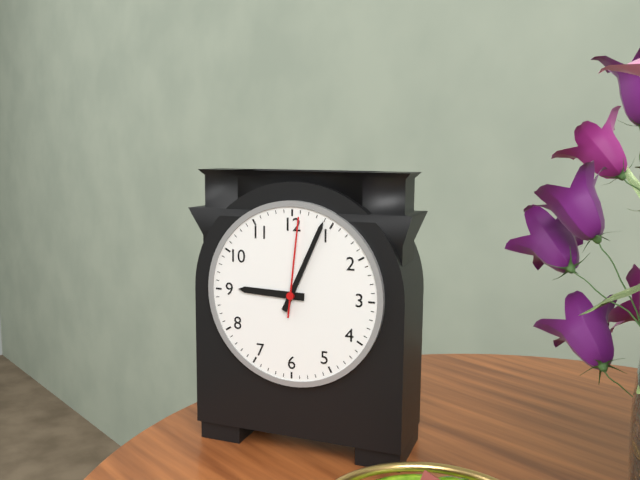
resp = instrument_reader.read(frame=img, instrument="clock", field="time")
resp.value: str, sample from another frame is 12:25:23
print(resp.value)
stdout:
9:04:01
